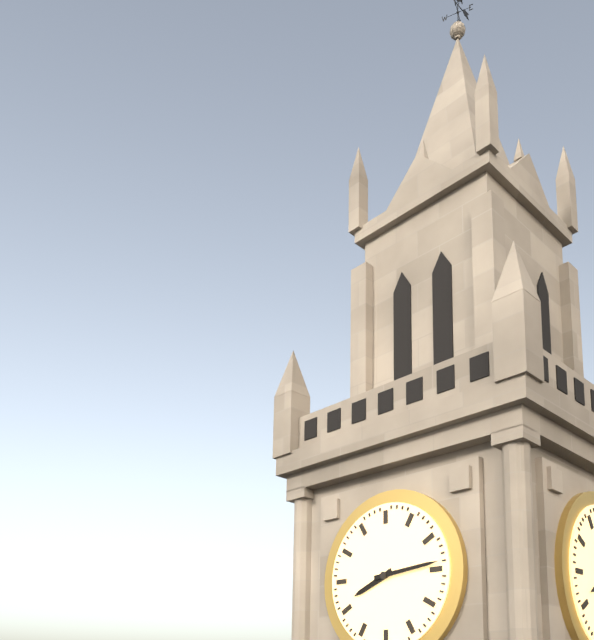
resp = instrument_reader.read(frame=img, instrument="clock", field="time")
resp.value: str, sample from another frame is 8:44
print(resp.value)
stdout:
8:14
